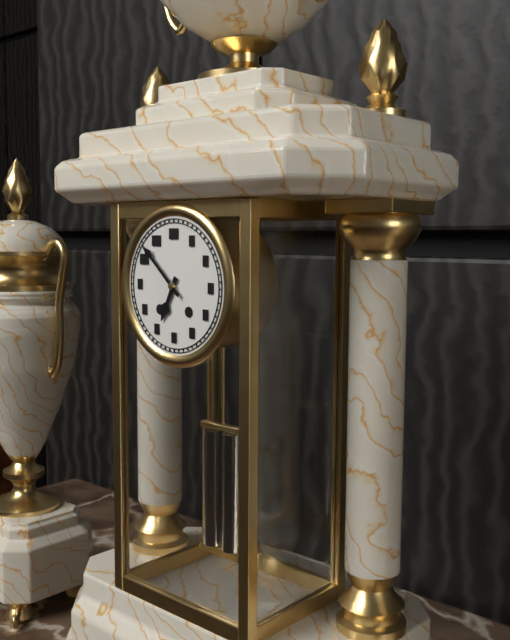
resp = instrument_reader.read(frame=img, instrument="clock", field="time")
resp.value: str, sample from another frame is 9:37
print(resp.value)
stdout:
6:52
